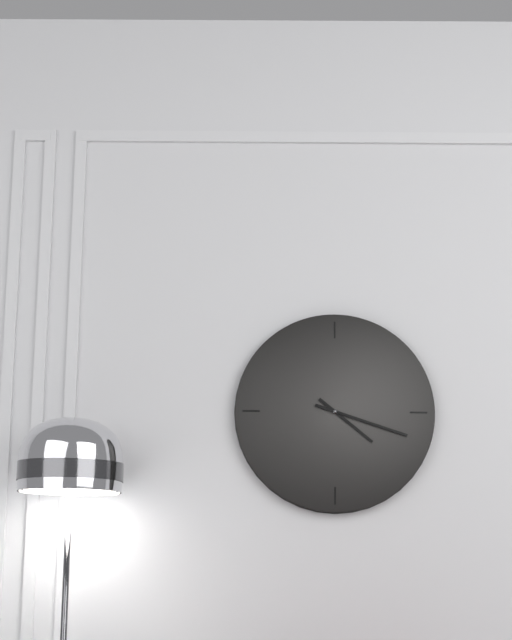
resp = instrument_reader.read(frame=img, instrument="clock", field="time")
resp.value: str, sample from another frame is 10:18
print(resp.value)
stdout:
4:18
